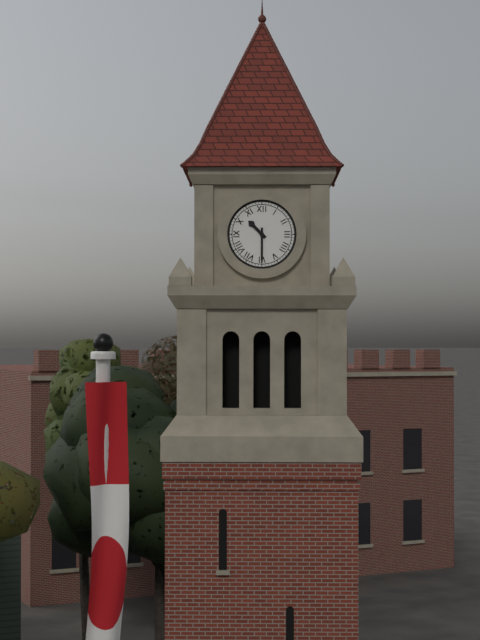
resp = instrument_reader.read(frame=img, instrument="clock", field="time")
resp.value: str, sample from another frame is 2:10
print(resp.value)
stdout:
10:30
